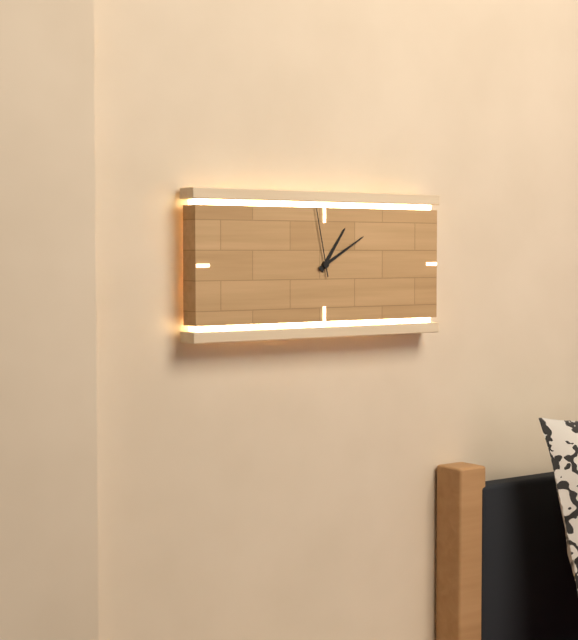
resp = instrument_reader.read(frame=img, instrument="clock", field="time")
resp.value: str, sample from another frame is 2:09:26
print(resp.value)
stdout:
1:10:58
